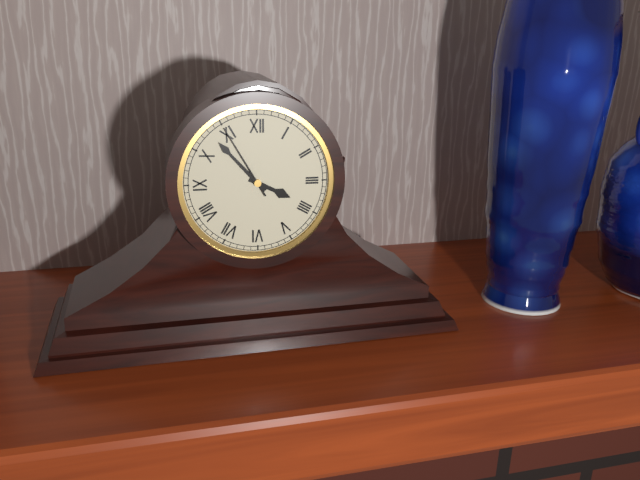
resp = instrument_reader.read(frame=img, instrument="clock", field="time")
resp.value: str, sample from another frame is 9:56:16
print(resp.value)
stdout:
3:53:55
